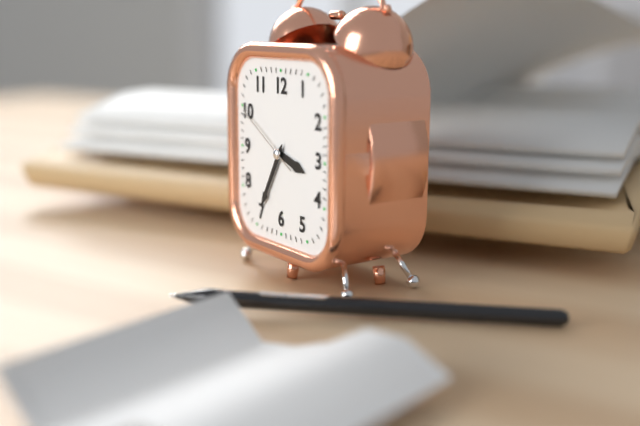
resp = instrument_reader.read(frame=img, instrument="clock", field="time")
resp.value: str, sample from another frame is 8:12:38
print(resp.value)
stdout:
3:35:50
